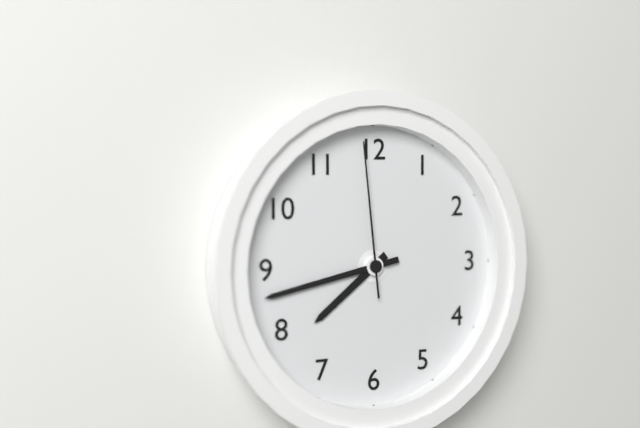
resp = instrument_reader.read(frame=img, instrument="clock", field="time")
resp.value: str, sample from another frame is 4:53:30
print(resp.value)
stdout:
7:43:59
